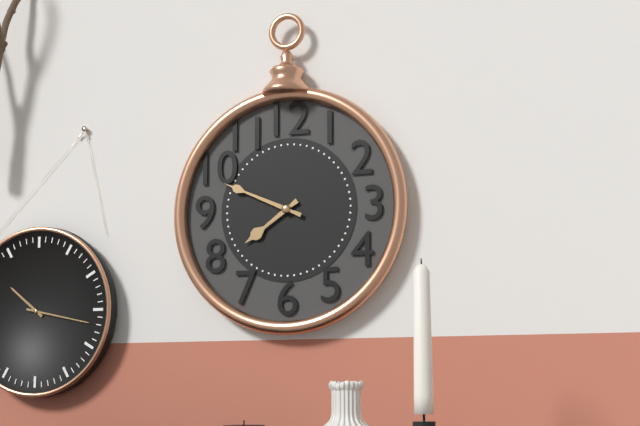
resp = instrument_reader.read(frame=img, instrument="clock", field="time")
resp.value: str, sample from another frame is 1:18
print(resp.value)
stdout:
7:49
